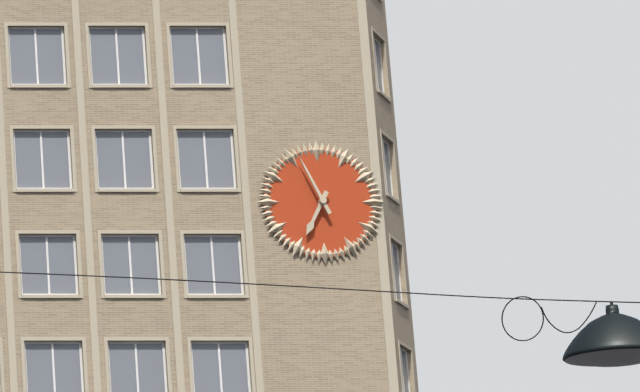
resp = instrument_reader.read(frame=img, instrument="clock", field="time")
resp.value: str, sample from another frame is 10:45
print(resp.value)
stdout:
6:56
